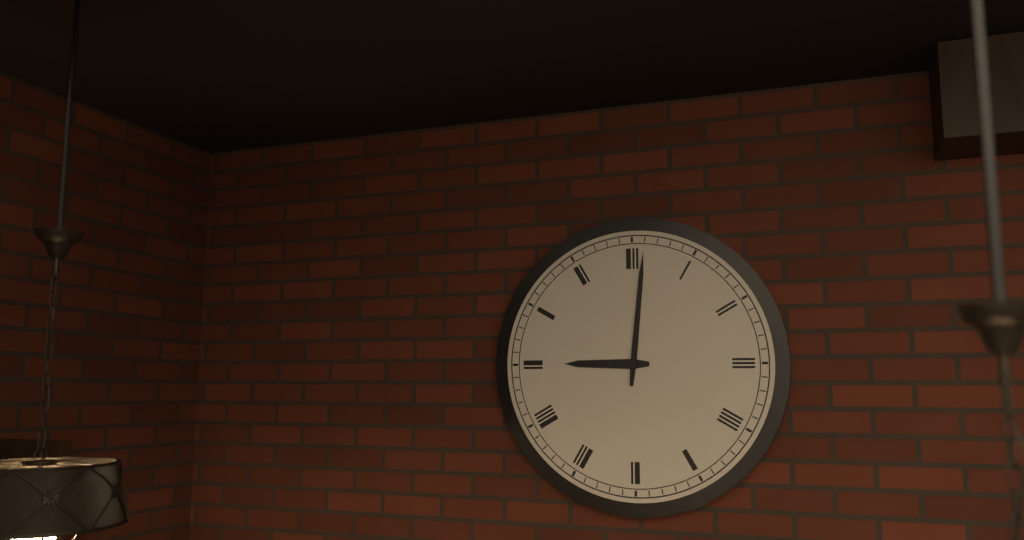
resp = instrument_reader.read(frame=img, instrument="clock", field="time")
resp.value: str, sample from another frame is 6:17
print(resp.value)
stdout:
9:01
